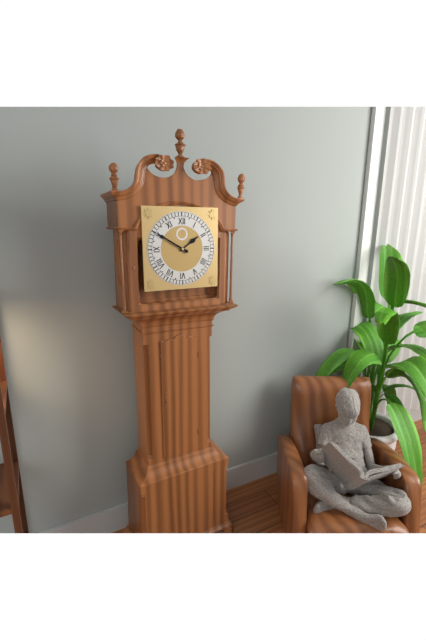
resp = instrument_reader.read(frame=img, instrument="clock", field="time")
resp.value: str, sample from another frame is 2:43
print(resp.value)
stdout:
1:50
